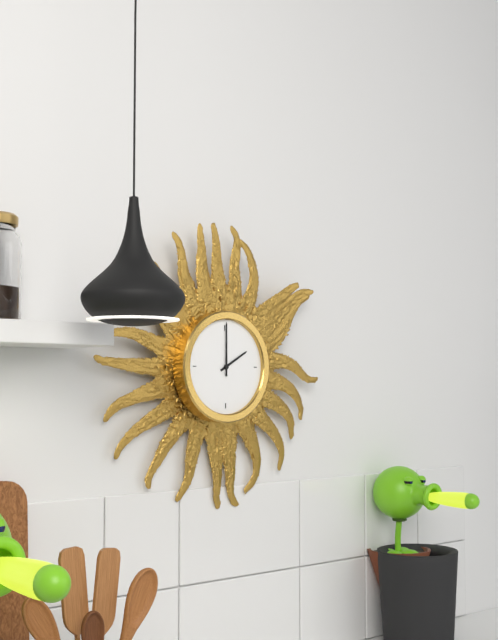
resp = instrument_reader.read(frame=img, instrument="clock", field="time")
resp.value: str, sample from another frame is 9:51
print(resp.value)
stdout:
2:00
